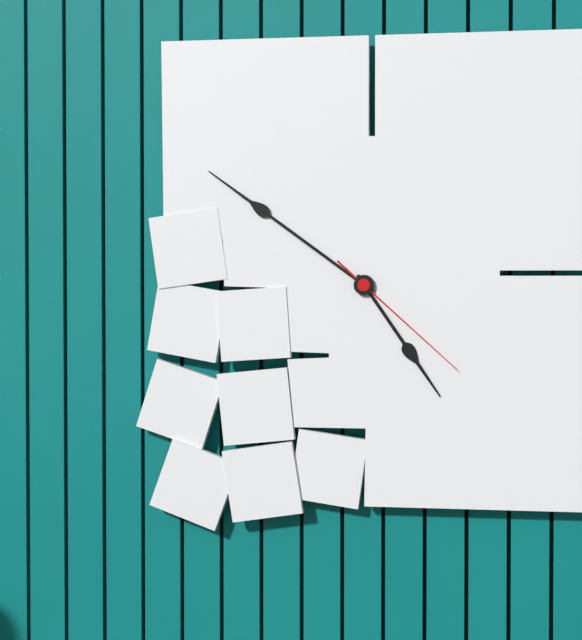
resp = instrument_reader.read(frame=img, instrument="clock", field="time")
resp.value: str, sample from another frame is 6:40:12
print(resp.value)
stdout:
4:51:22
